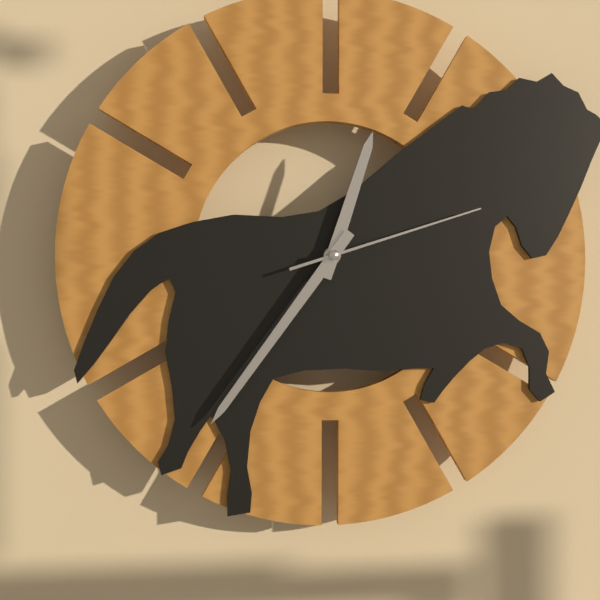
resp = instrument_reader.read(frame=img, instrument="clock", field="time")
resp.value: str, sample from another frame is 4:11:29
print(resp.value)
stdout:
12:36:12
